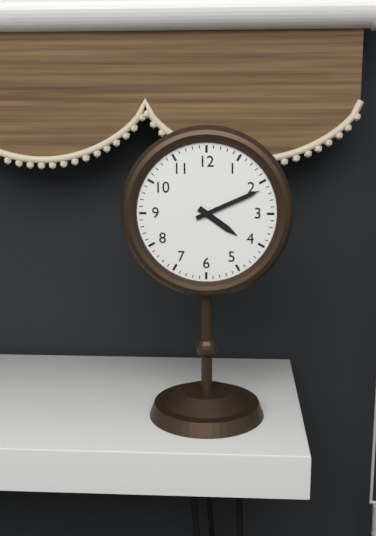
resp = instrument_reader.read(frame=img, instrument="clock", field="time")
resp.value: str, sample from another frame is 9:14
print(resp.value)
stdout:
4:11
